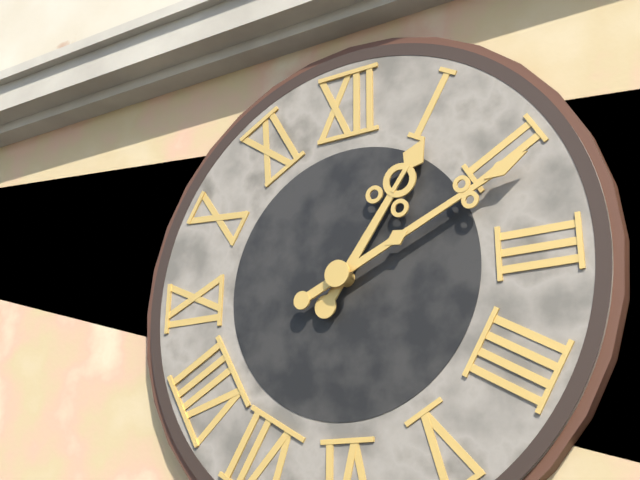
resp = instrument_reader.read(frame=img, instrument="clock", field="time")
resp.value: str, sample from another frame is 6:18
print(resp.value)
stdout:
1:11
